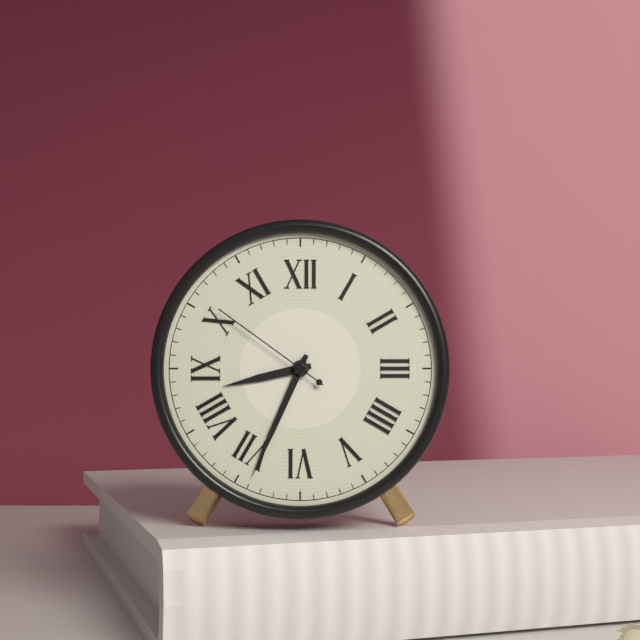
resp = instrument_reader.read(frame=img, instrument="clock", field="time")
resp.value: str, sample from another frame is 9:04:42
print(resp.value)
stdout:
8:34:51
